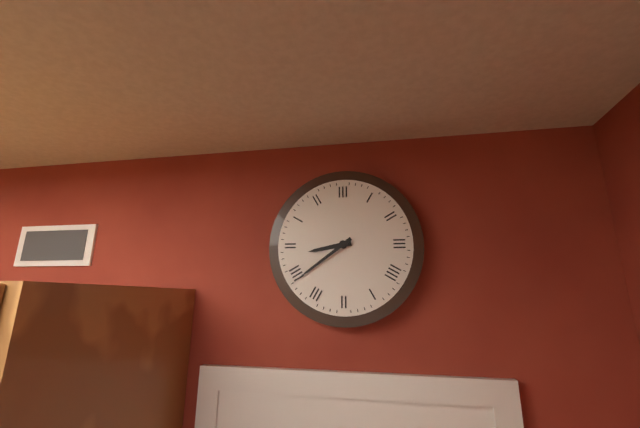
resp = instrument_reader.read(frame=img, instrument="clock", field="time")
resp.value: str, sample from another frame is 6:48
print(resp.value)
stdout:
8:39
